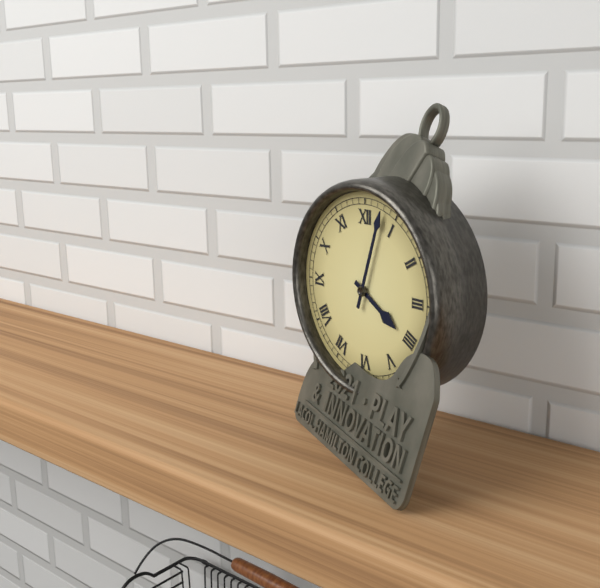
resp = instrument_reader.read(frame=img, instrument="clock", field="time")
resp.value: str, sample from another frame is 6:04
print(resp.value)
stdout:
4:03
